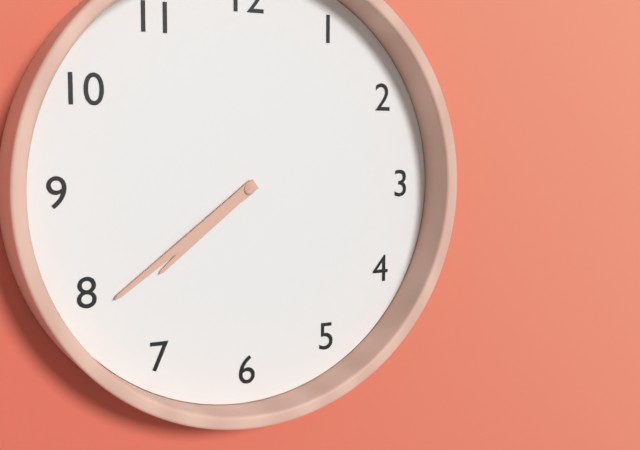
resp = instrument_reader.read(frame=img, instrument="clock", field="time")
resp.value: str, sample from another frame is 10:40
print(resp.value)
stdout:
7:39
